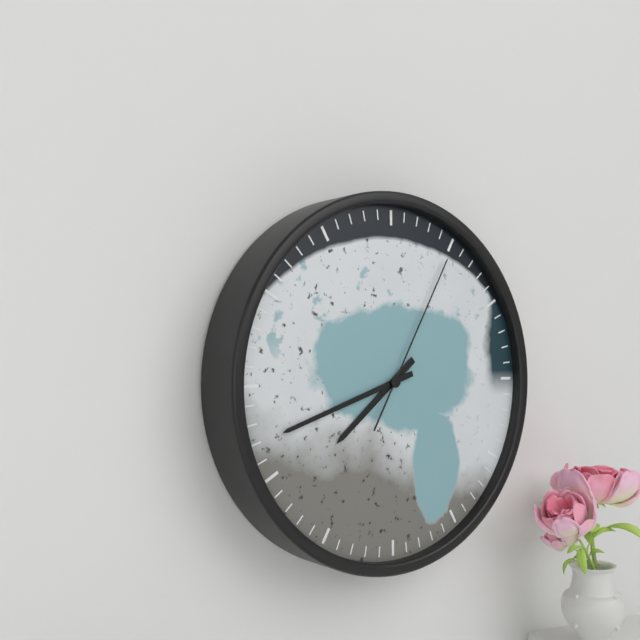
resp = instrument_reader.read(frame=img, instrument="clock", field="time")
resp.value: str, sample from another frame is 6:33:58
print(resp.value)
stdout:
7:42:05
